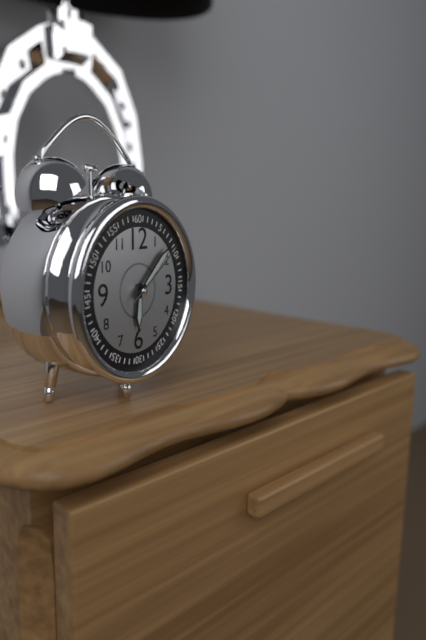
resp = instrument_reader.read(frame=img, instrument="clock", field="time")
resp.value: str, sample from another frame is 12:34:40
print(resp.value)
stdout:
6:08:09
